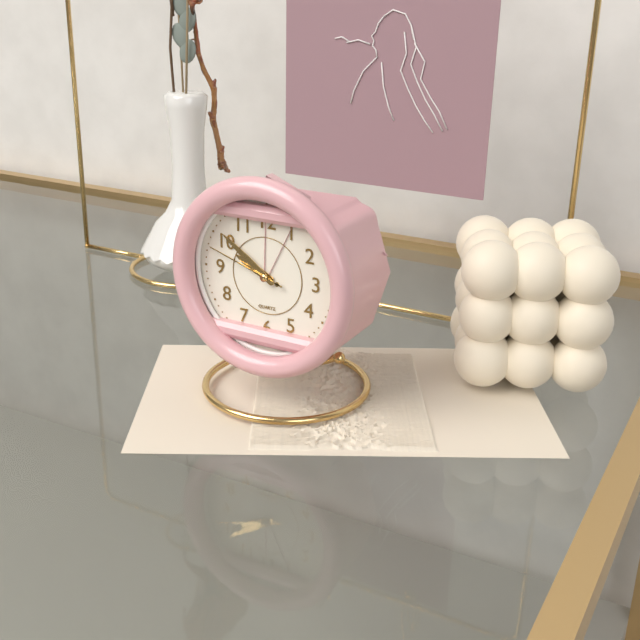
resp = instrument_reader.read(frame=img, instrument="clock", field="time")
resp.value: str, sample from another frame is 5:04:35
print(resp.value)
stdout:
9:51:48
